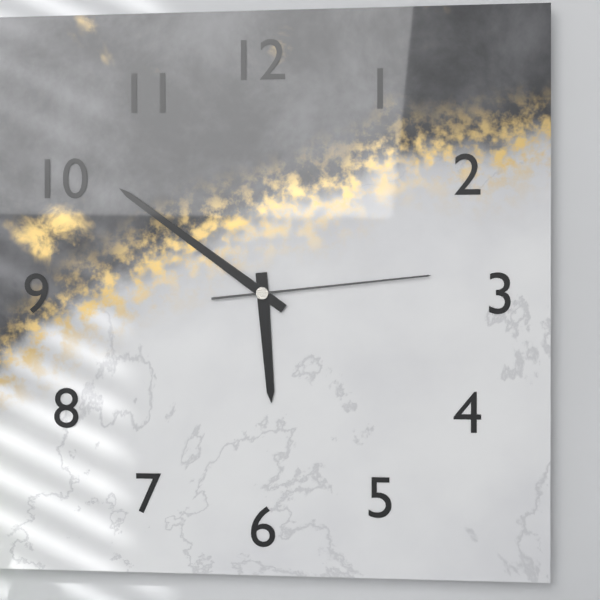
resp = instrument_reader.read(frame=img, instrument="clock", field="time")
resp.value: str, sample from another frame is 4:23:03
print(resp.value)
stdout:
5:51:14
